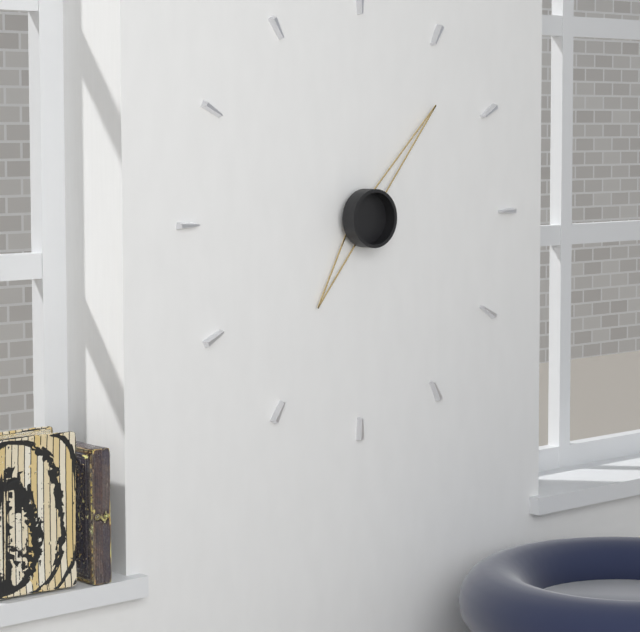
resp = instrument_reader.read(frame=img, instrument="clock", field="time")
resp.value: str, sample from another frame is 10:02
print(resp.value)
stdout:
7:07
